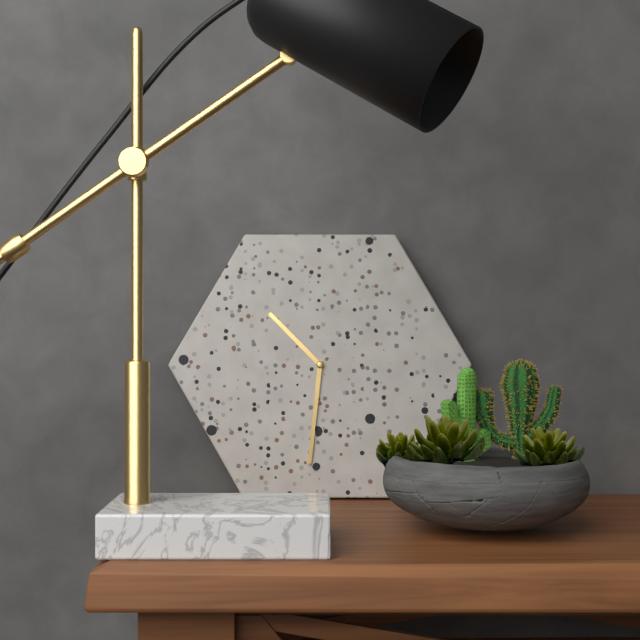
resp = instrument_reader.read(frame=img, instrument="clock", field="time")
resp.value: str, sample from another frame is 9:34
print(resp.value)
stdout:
10:31
